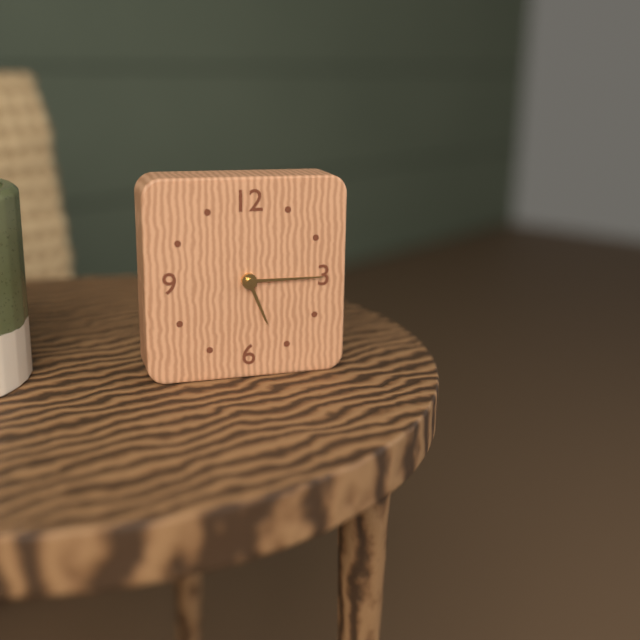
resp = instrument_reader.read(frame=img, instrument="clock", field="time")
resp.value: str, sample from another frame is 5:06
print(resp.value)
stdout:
5:15
